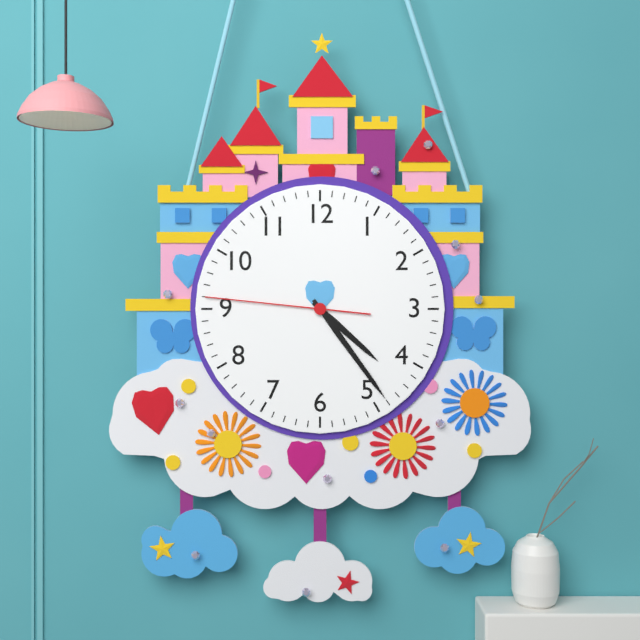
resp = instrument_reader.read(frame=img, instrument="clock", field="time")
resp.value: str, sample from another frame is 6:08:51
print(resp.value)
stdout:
4:24:46
